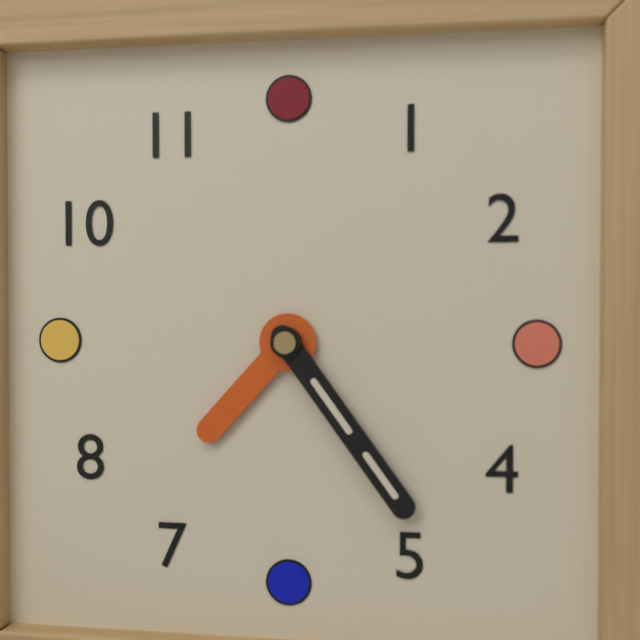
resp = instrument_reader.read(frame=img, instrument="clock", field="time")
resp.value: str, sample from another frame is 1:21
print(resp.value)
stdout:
7:24
